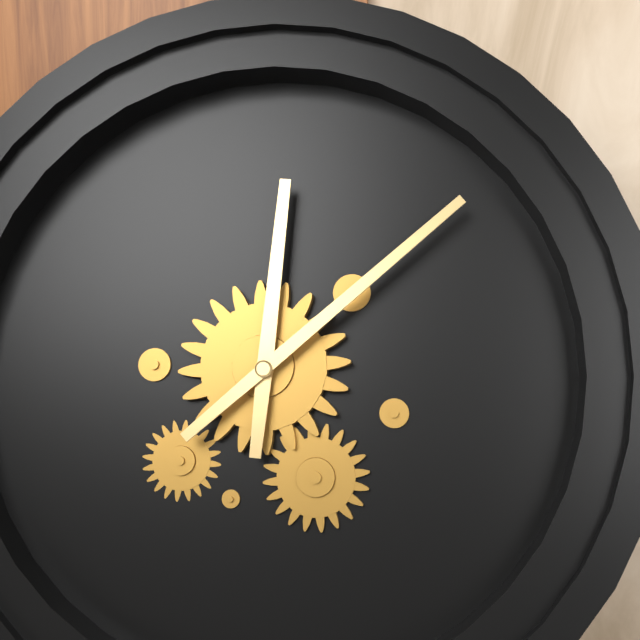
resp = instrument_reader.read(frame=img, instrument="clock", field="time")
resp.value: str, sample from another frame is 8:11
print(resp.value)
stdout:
12:08
